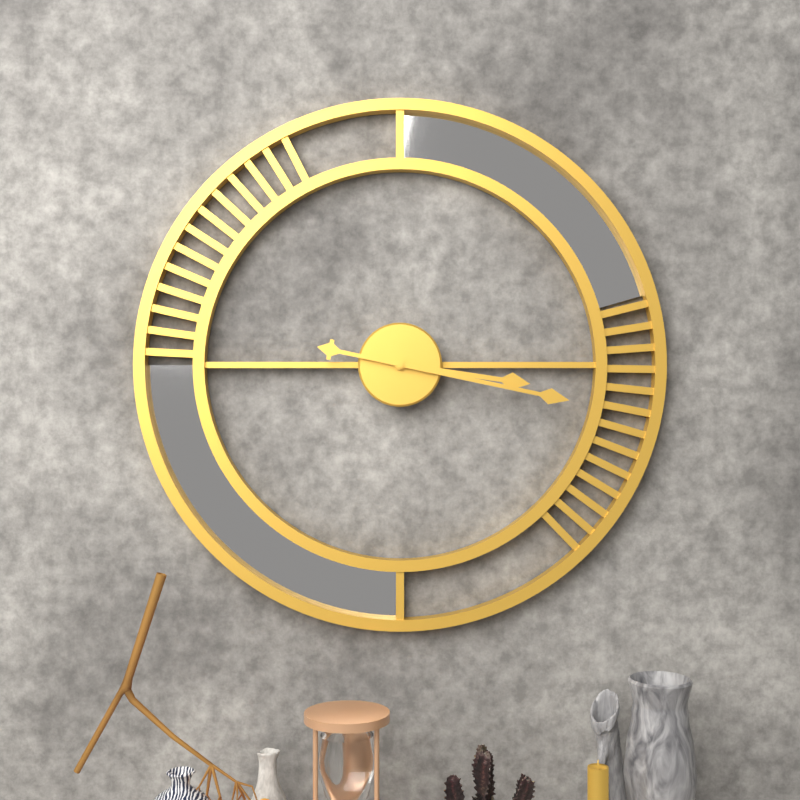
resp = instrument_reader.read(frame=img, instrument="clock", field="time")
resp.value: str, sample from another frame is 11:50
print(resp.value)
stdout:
3:17
